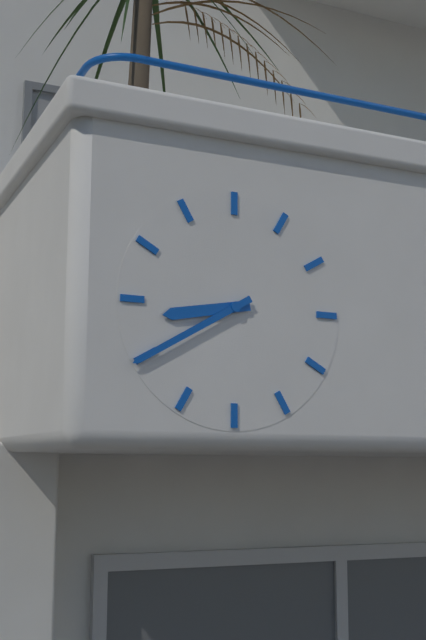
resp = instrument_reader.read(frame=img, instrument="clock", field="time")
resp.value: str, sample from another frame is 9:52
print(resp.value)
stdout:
8:40
